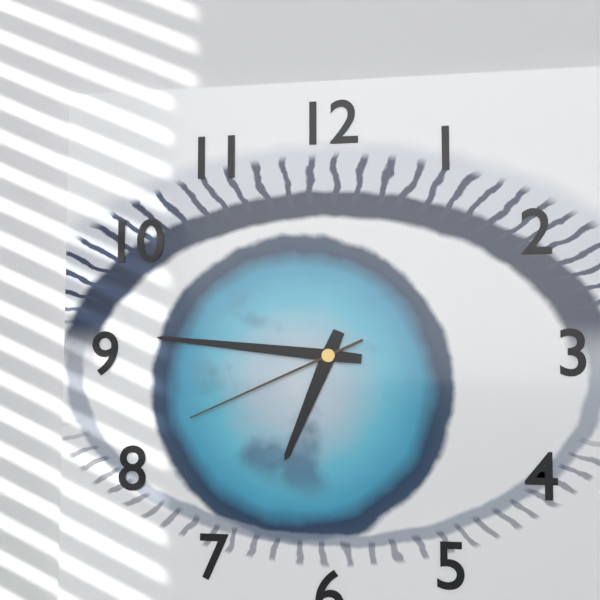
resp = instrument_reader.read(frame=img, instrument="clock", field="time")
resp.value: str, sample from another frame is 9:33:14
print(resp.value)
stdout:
6:46:41
